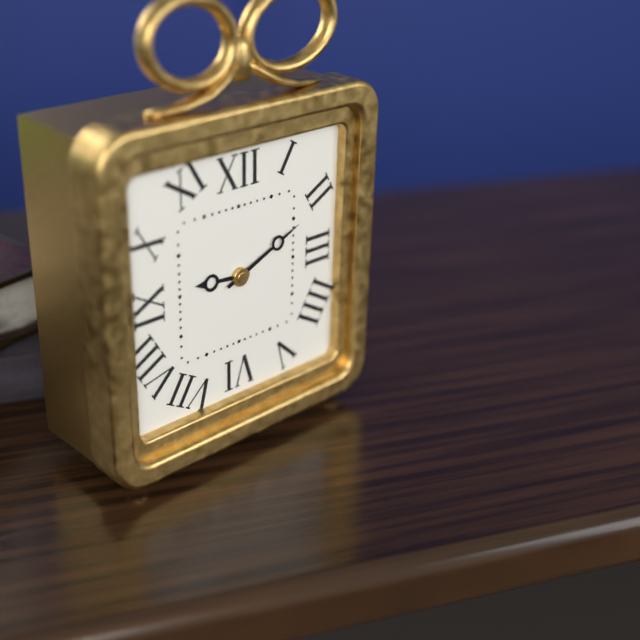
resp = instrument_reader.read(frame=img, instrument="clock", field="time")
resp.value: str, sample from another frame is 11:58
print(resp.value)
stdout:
9:11
